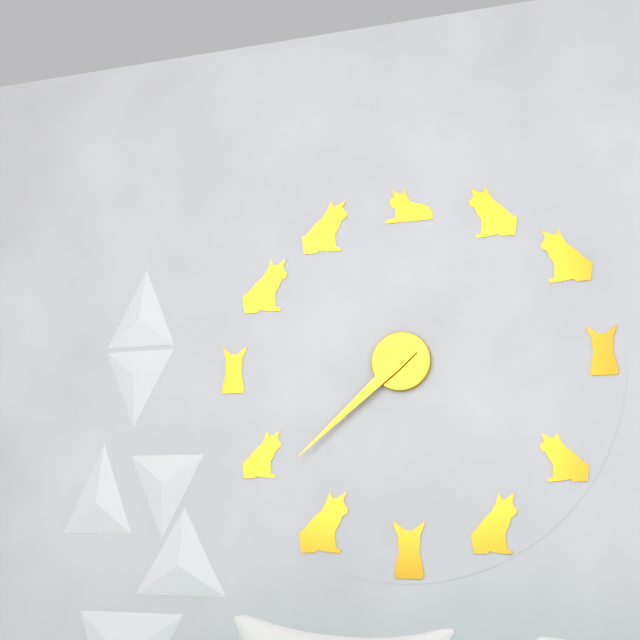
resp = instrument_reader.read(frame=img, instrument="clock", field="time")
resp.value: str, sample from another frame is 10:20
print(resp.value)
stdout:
7:38
